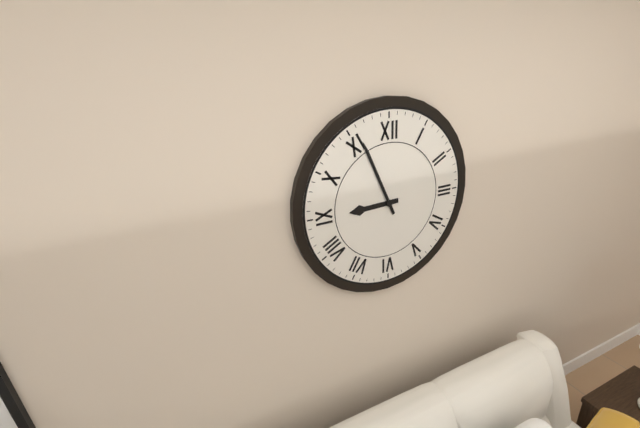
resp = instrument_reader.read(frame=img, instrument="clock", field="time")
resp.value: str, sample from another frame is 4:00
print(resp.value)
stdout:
8:56
